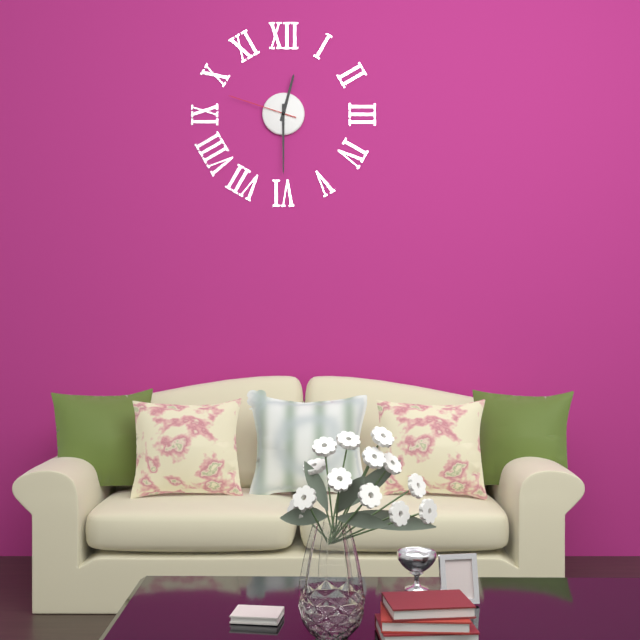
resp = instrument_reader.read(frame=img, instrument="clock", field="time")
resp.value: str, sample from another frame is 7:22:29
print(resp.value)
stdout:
12:30:48
